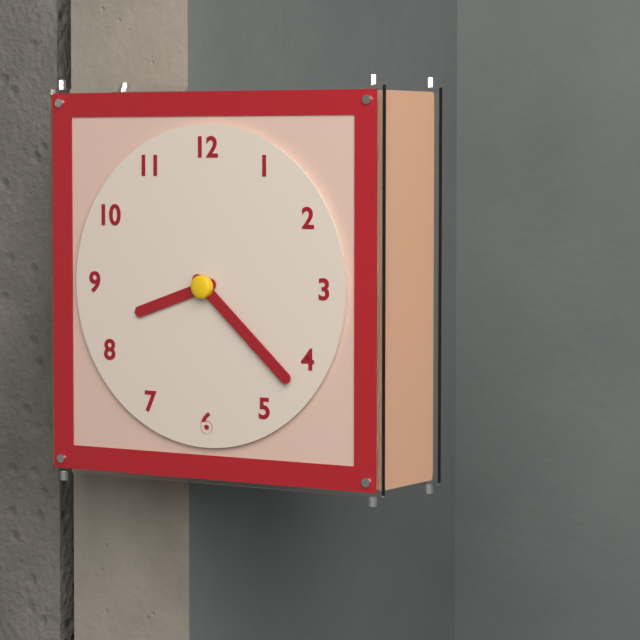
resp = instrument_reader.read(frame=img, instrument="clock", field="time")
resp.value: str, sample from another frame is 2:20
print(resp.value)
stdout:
8:22
